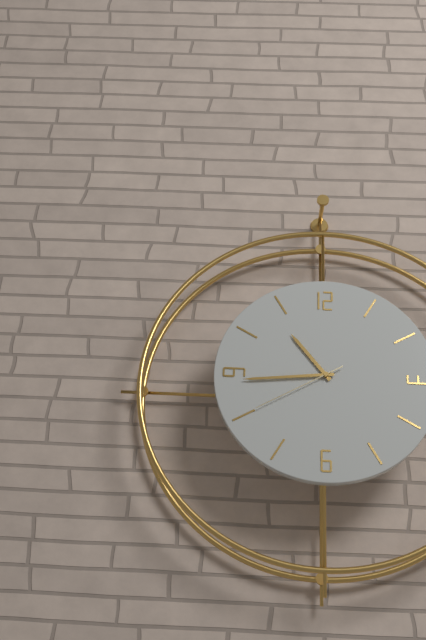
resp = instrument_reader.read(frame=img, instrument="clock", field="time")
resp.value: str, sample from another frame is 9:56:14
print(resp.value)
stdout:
10:44:40
